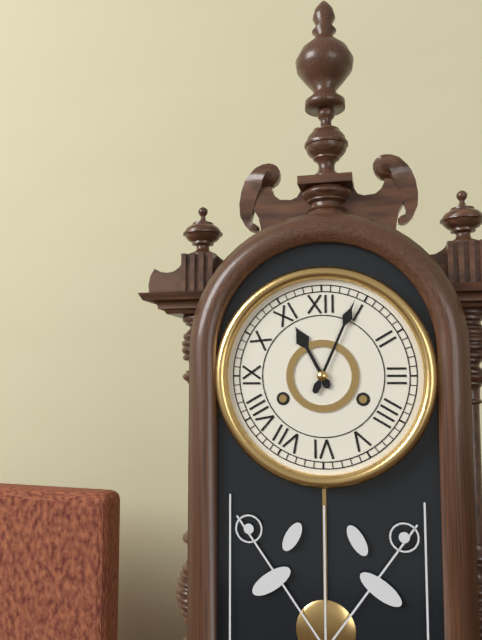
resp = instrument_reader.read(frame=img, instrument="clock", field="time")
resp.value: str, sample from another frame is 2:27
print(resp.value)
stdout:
11:04
